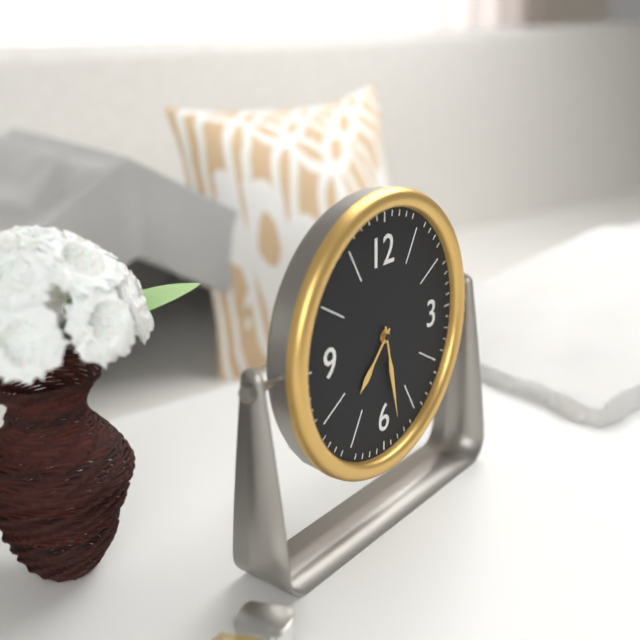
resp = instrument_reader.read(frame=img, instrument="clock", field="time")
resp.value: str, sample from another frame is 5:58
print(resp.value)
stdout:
7:28
